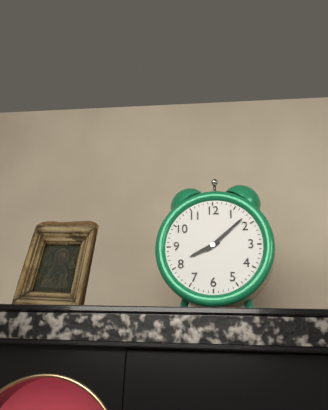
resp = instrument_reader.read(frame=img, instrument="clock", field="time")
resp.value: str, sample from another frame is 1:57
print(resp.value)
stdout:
8:08
